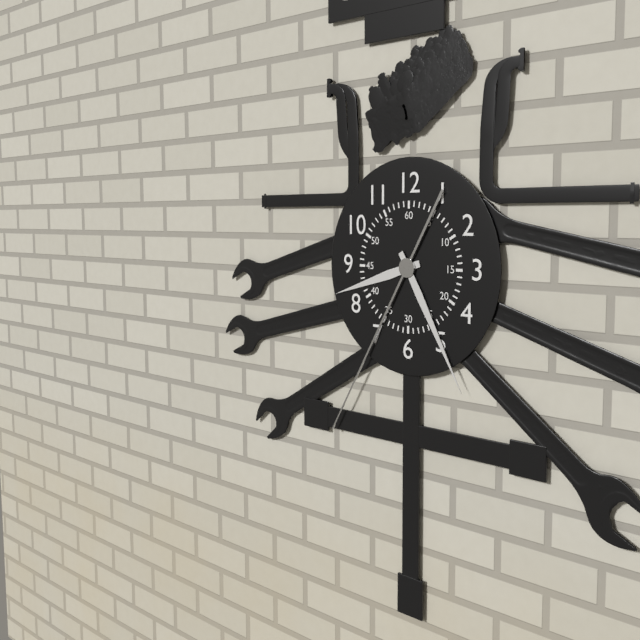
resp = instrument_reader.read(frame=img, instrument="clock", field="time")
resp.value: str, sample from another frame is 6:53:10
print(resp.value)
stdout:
8:25:35
